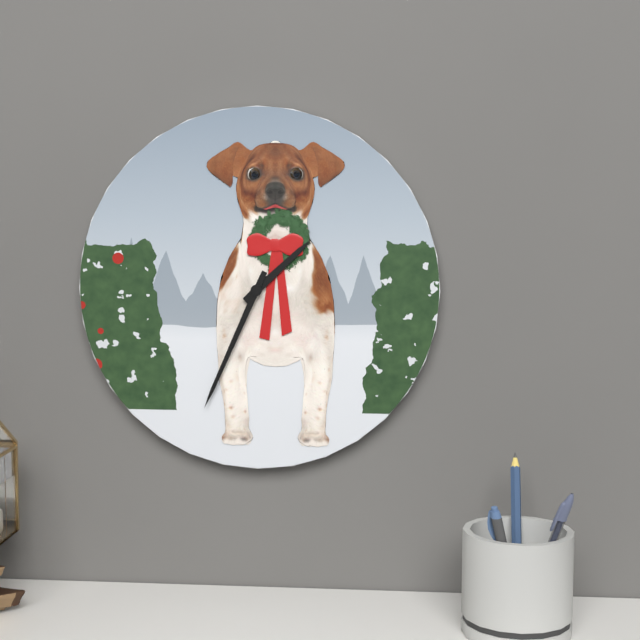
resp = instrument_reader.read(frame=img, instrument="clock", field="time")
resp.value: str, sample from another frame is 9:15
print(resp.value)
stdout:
1:34
